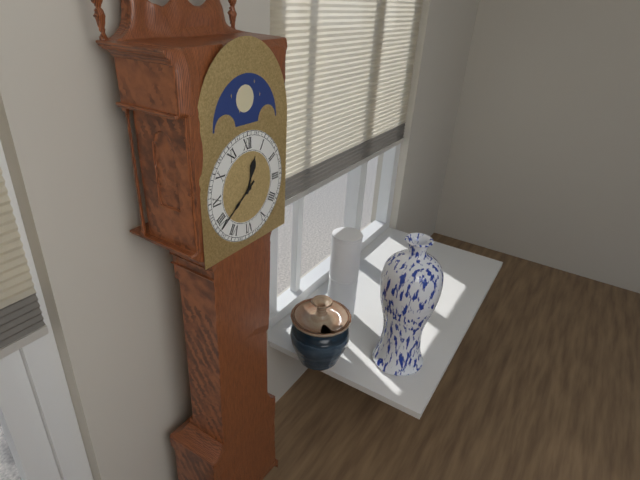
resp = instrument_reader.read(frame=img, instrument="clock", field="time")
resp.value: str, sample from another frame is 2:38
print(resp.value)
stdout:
12:39
